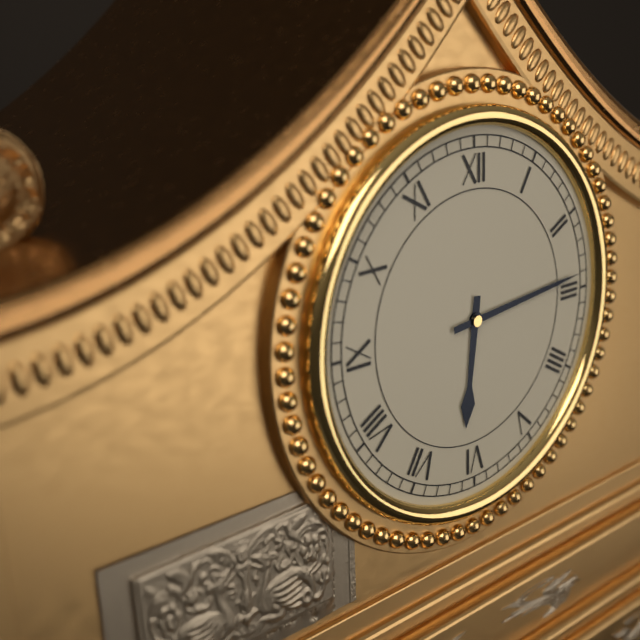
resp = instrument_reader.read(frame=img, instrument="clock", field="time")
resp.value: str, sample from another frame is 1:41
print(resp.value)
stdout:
6:14
